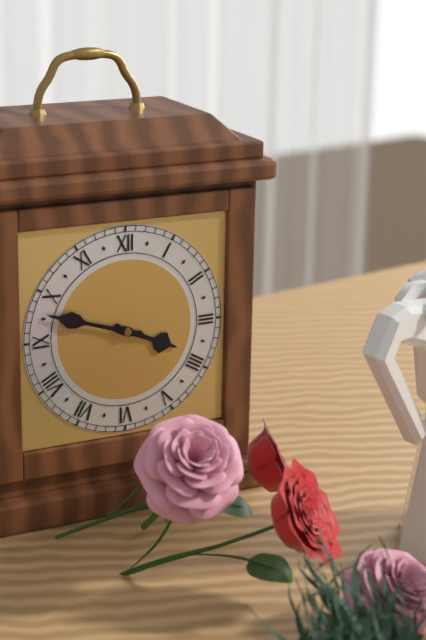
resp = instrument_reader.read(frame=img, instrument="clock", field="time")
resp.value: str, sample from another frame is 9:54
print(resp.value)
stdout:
3:48
